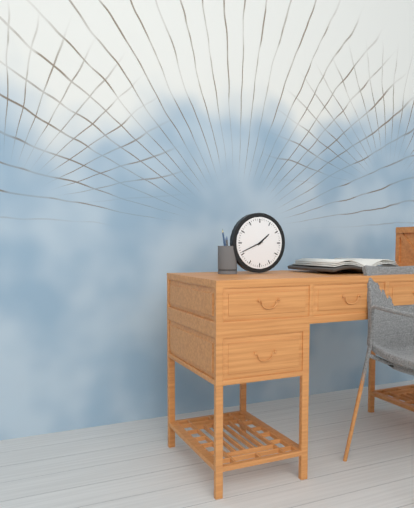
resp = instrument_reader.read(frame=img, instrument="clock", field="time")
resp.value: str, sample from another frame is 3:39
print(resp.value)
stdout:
1:41
